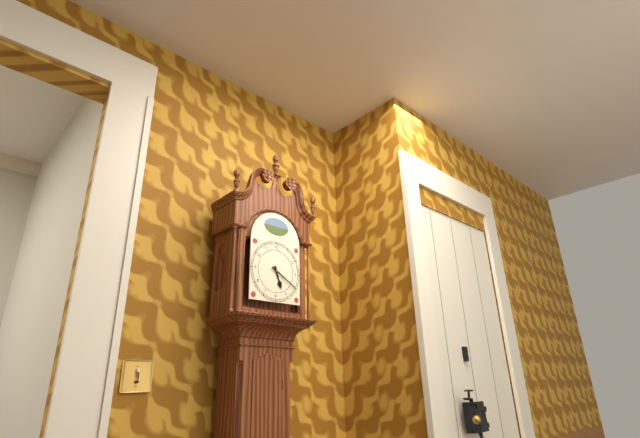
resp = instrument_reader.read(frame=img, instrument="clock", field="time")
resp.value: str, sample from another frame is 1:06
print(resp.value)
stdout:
5:20
